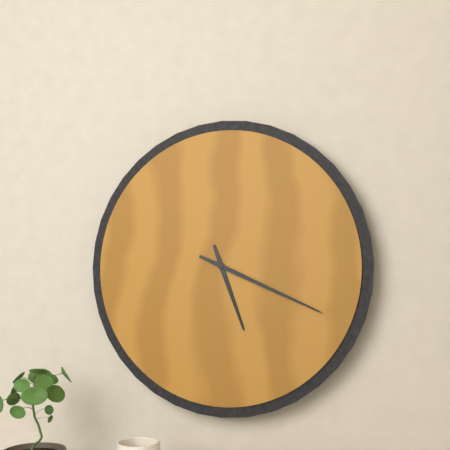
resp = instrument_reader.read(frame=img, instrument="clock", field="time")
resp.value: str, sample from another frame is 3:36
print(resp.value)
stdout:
5:19
